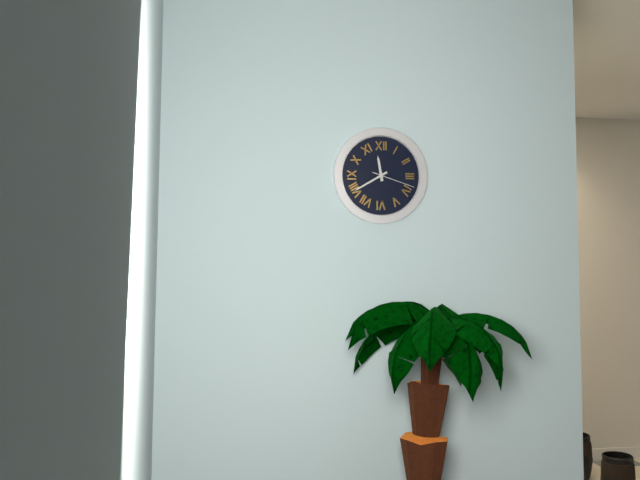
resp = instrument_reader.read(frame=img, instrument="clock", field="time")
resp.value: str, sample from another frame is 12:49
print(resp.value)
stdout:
11:40
